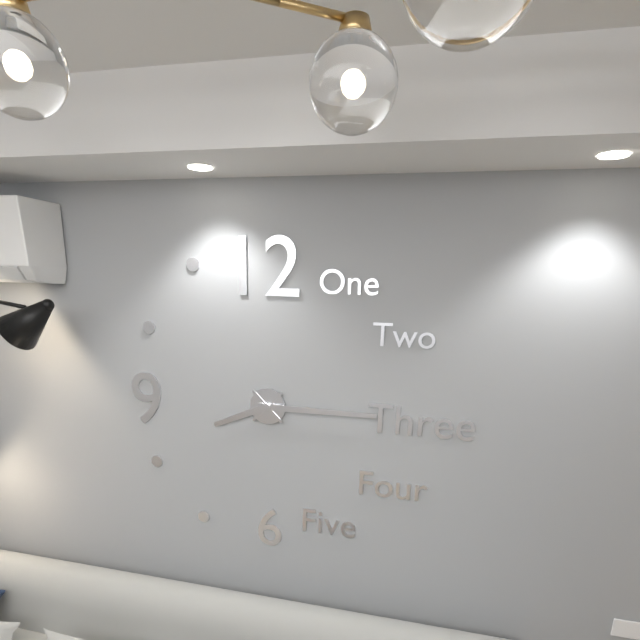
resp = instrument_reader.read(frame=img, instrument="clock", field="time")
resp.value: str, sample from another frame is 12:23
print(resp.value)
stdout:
8:15
